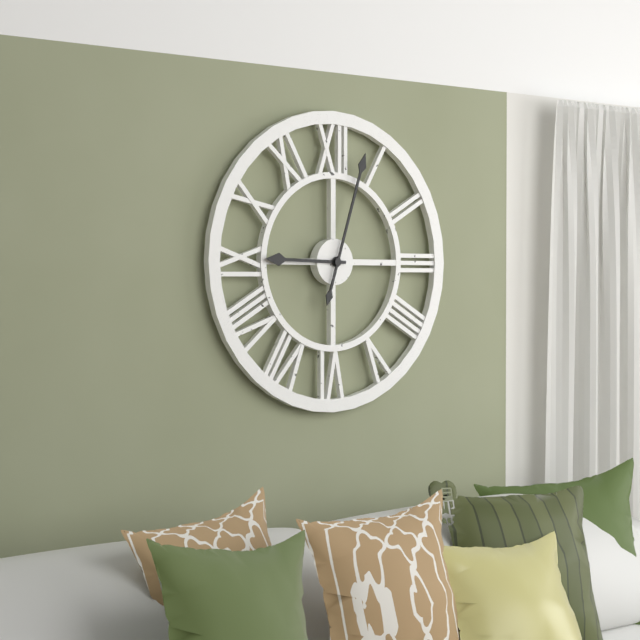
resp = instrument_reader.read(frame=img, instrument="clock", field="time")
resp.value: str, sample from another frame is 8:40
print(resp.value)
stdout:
9:03
